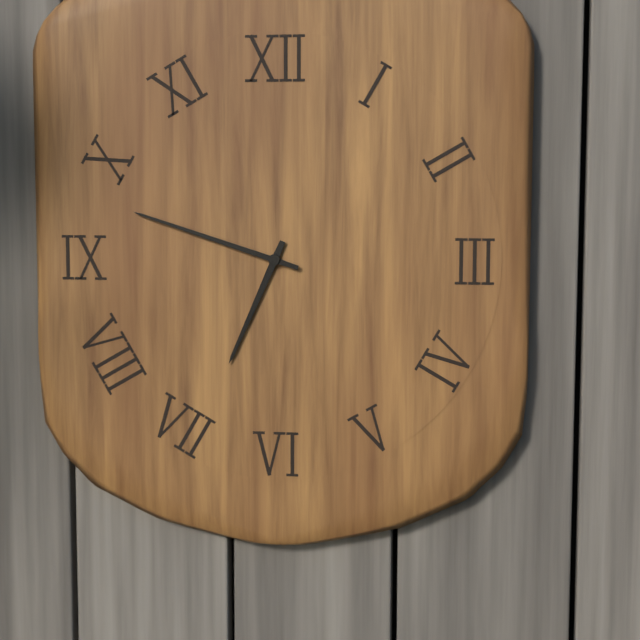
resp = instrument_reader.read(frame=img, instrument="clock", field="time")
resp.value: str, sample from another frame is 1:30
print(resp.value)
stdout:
6:48
